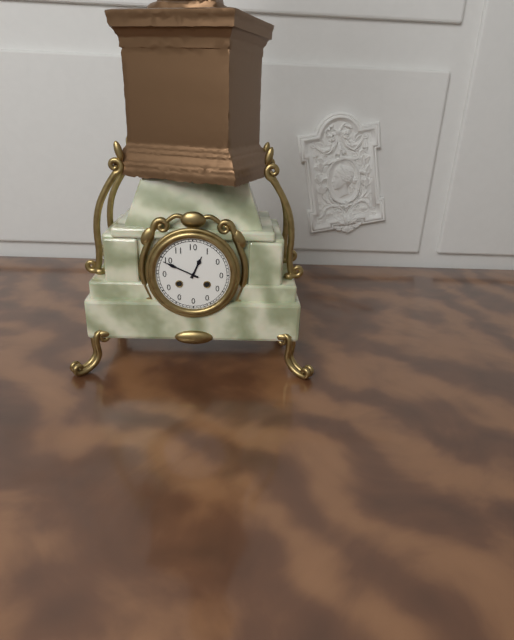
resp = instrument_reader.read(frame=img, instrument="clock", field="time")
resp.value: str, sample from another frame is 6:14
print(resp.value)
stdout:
12:49
